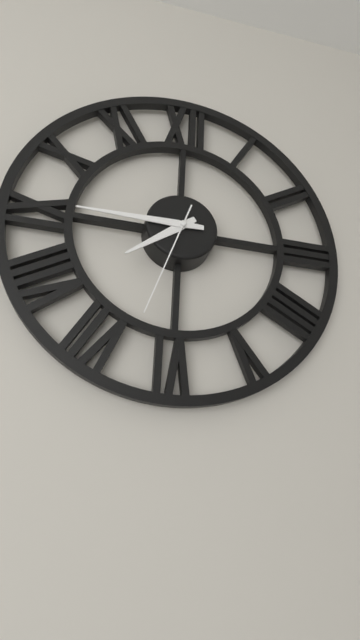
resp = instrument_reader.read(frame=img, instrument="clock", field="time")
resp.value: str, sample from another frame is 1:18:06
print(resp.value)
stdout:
7:45:33
